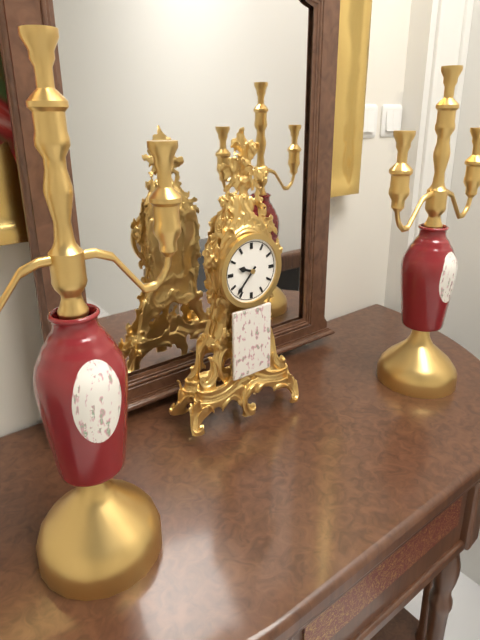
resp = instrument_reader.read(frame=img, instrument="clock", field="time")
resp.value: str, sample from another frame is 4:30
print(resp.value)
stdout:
9:37
